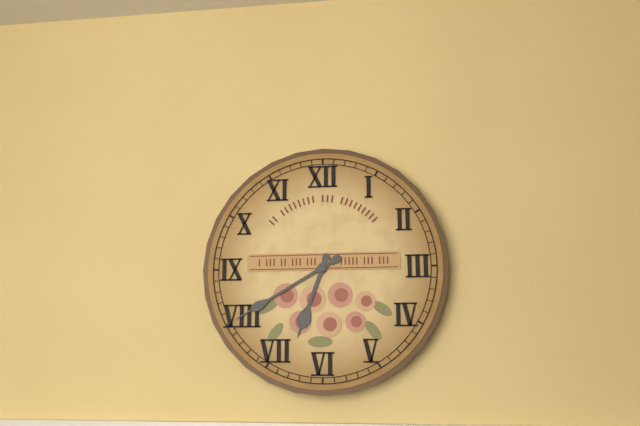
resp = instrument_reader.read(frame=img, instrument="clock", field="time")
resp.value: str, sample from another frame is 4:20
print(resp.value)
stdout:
6:40
